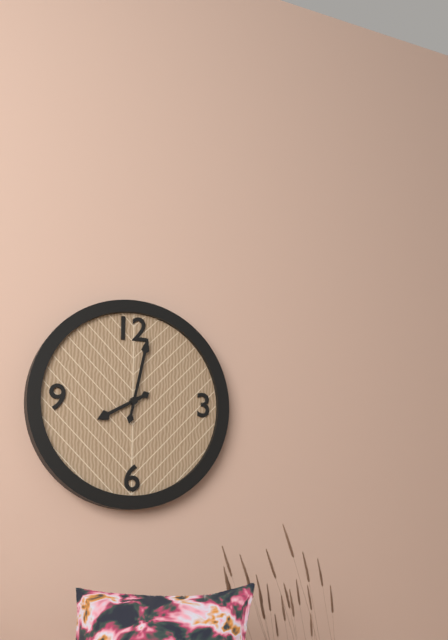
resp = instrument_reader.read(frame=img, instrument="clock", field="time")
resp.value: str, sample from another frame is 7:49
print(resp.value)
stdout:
8:02
